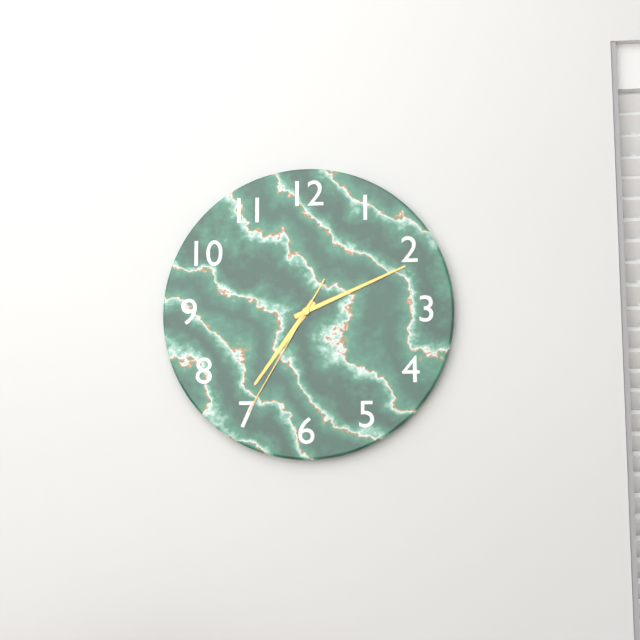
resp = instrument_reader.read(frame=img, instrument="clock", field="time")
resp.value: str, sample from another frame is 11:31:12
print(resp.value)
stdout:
7:11:35
